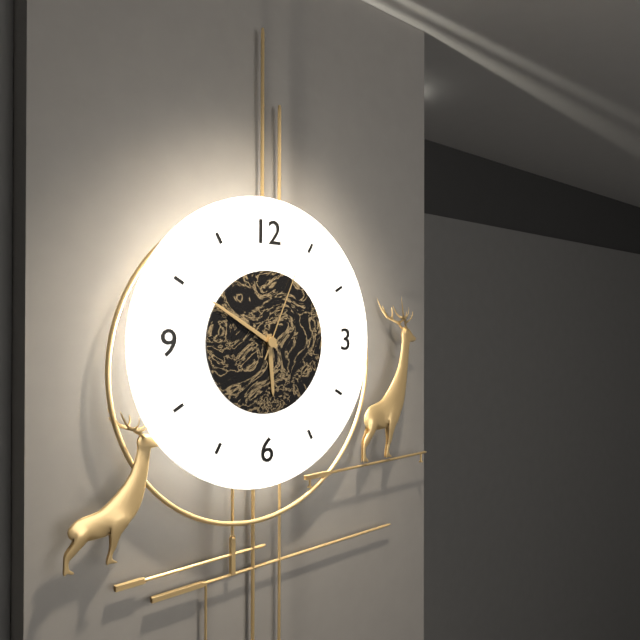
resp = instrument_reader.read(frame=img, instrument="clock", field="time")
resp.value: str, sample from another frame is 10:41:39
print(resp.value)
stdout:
5:50:04
